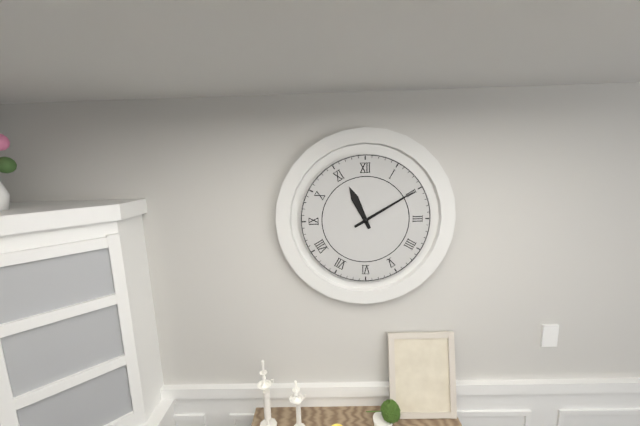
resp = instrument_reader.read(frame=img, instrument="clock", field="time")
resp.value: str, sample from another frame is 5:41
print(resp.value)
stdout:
11:10
